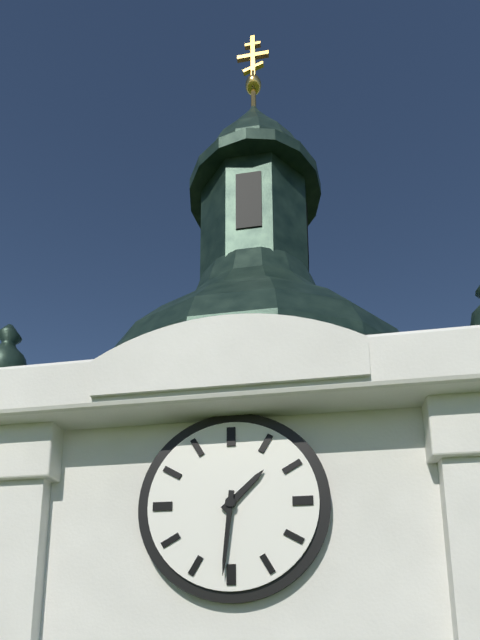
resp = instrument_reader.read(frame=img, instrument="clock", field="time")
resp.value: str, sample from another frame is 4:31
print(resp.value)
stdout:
1:31
